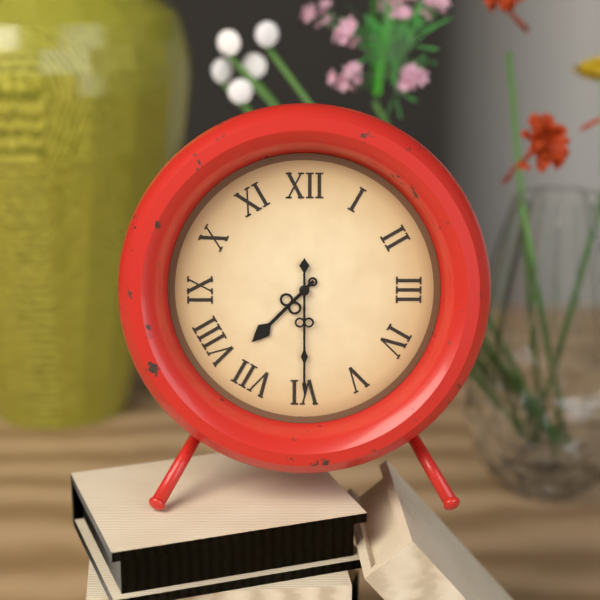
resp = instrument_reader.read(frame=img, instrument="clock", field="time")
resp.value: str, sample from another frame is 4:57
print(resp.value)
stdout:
7:30
